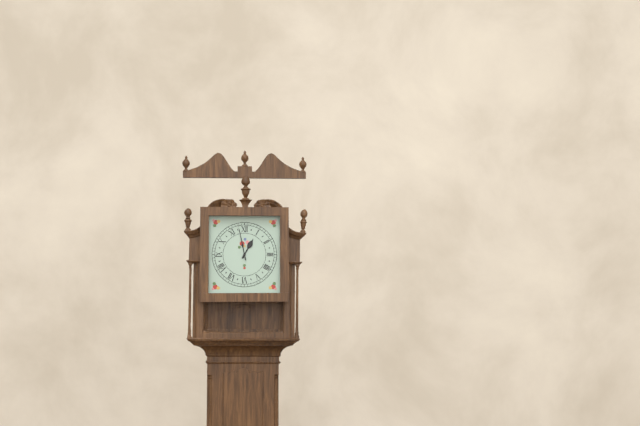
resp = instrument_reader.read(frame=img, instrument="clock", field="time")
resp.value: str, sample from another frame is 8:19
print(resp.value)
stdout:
12:58
